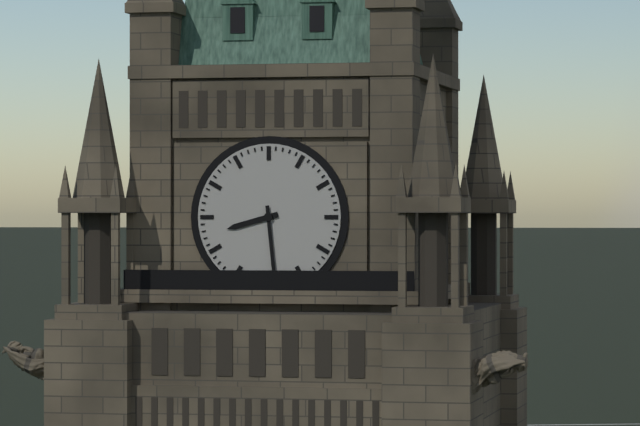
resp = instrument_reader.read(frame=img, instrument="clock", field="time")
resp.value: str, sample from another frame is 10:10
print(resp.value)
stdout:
8:29
